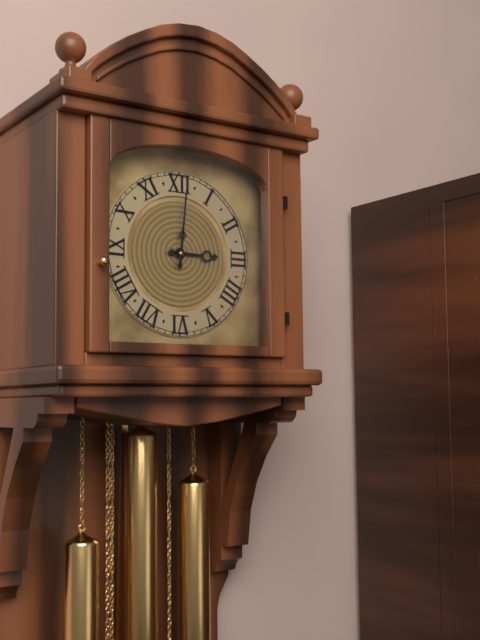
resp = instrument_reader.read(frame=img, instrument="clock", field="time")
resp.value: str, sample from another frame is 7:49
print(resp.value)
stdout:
3:01
